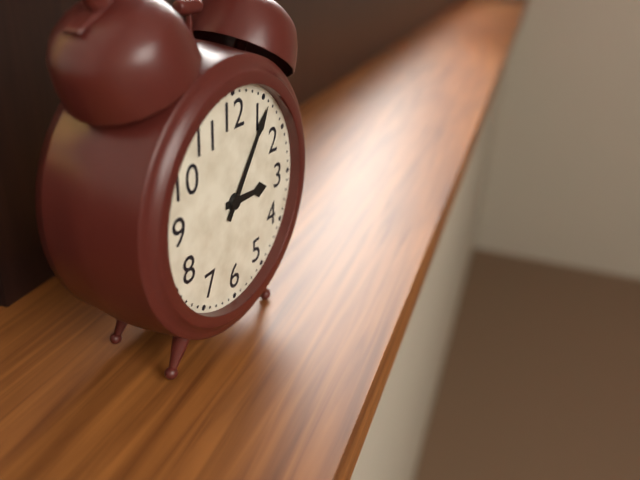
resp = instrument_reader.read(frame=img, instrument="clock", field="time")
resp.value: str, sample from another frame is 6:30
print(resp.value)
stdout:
3:06
